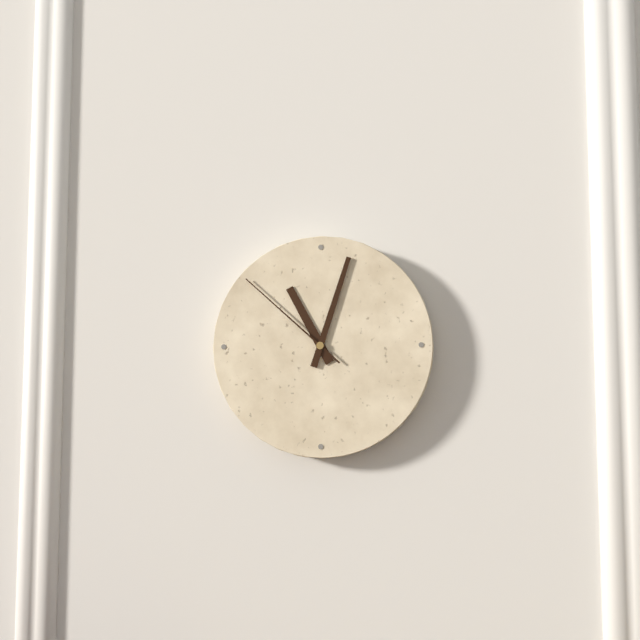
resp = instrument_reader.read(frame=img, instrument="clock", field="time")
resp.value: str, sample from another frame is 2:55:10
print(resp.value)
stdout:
11:03:52
